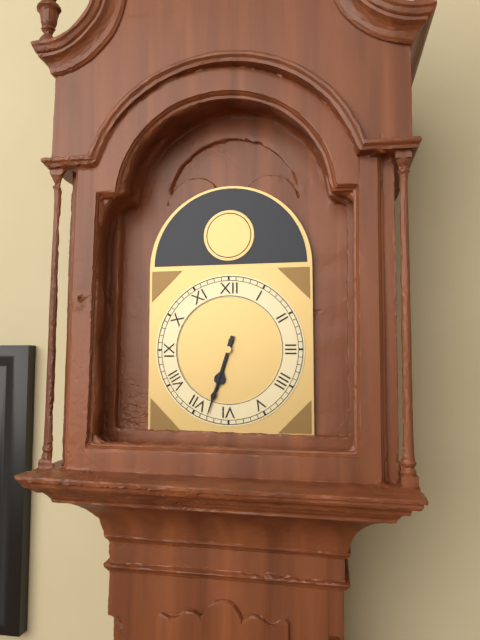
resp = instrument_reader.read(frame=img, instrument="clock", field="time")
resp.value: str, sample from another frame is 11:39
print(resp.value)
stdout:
6:33
